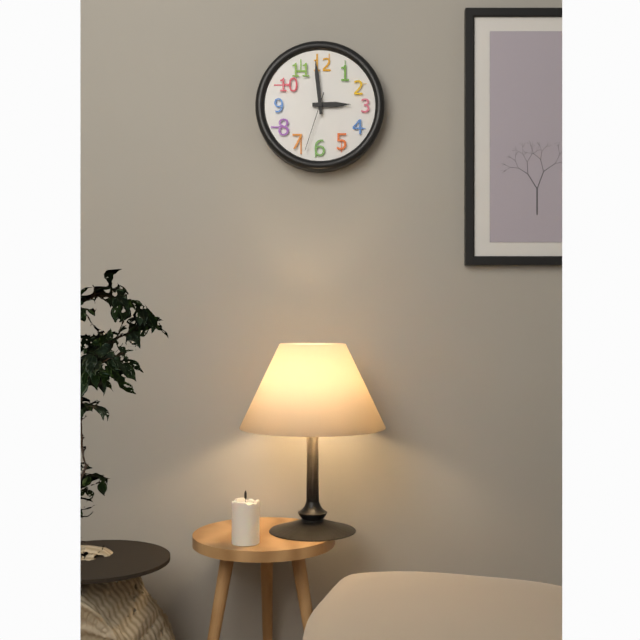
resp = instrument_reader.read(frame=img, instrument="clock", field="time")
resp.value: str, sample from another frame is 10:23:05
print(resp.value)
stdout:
2:59:33
